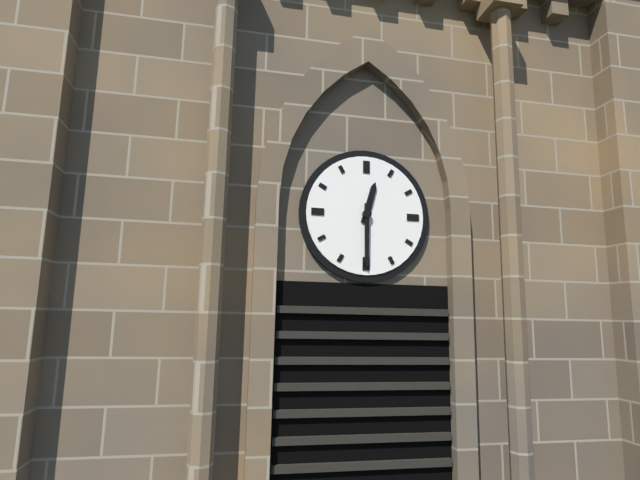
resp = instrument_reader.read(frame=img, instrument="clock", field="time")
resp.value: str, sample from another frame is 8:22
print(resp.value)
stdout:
12:30
